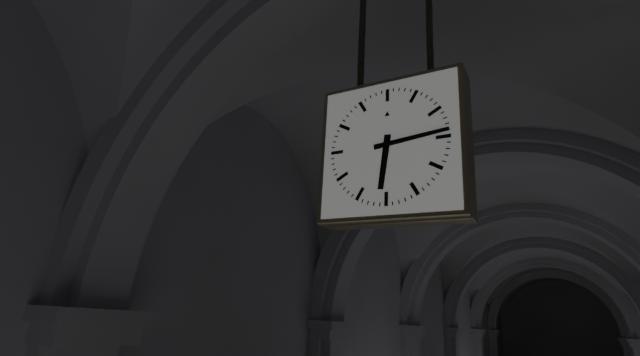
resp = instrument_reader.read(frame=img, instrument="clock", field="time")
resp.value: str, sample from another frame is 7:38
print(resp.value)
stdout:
6:14
